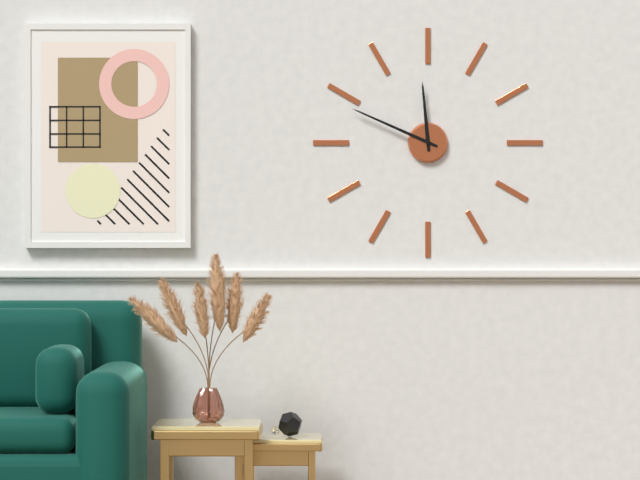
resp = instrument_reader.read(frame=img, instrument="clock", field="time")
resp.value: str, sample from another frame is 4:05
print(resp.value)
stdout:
11:49
